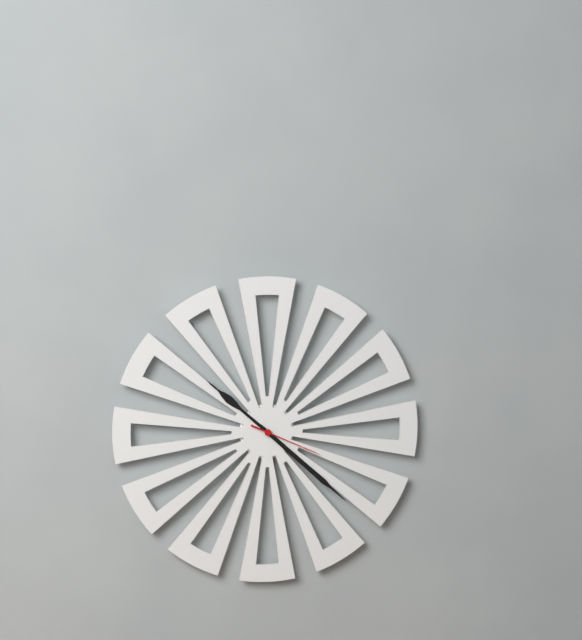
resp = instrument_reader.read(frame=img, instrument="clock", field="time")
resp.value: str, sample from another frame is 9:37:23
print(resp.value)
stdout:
10:22:19
